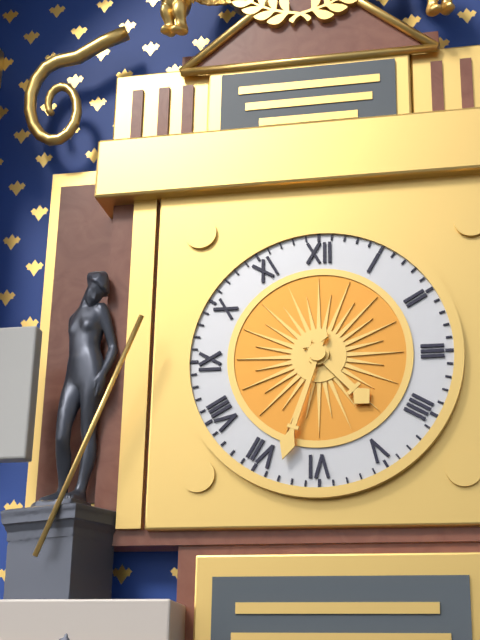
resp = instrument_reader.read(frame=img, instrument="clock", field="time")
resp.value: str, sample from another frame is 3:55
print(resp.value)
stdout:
4:33
